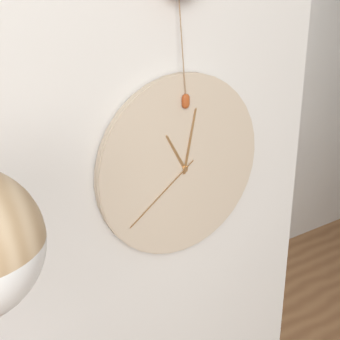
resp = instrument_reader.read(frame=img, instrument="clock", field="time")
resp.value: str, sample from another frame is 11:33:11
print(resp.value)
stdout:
11:02:39
